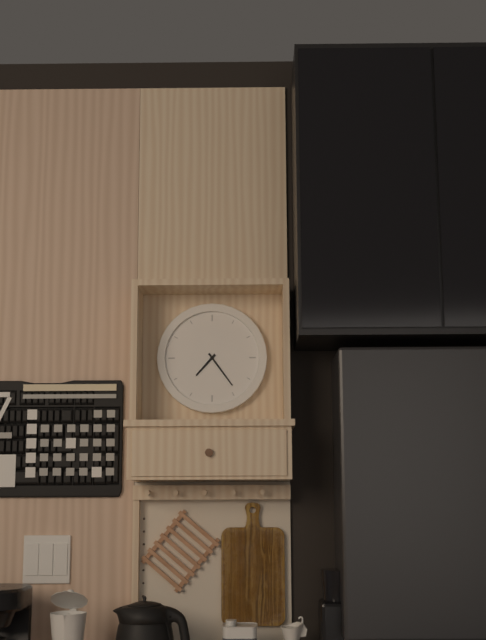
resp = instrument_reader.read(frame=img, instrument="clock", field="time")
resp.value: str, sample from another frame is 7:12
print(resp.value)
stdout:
7:24
